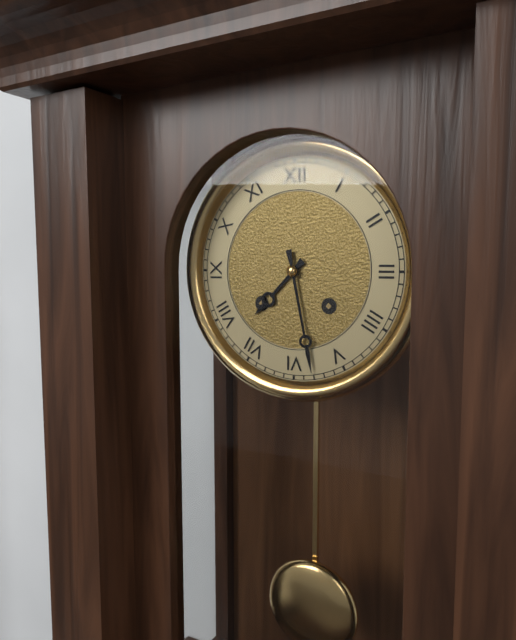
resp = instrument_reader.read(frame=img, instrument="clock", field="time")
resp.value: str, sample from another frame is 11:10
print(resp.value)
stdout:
7:28
